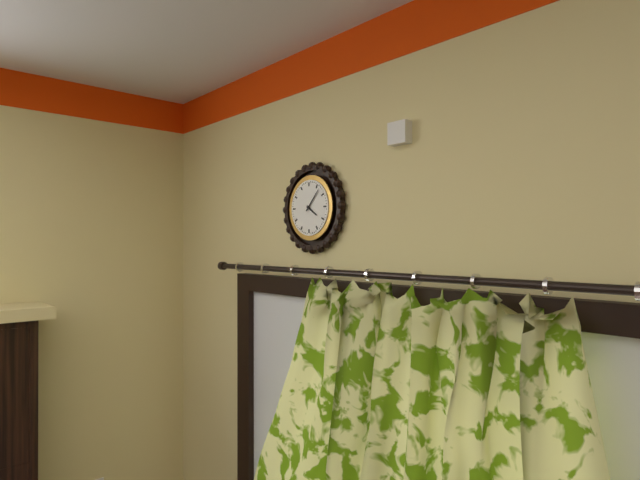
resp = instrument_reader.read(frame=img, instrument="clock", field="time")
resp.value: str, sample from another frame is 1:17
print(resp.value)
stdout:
4:07
